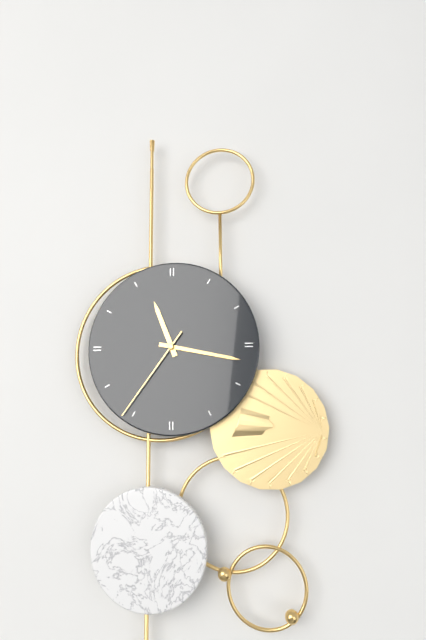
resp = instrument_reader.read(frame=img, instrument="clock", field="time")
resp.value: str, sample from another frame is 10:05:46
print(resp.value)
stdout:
11:17:36
